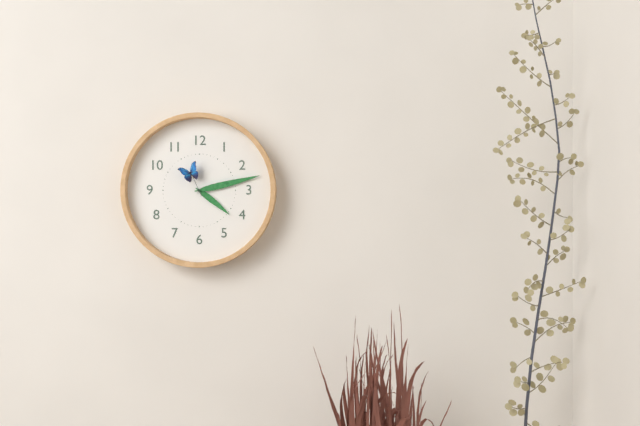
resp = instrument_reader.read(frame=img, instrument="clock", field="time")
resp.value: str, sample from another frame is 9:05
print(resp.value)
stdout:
4:13
